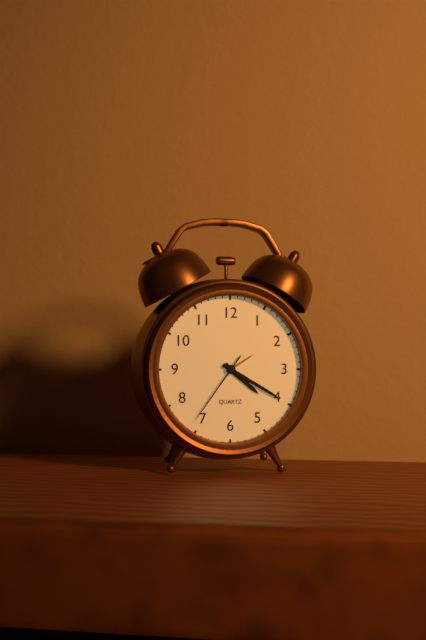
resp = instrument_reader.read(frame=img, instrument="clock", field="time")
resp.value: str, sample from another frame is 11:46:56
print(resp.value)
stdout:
4:20:36
